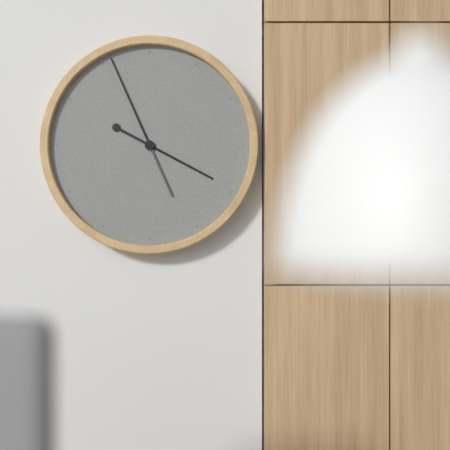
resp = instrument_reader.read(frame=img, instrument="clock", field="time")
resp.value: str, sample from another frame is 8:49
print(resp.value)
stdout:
3:56
